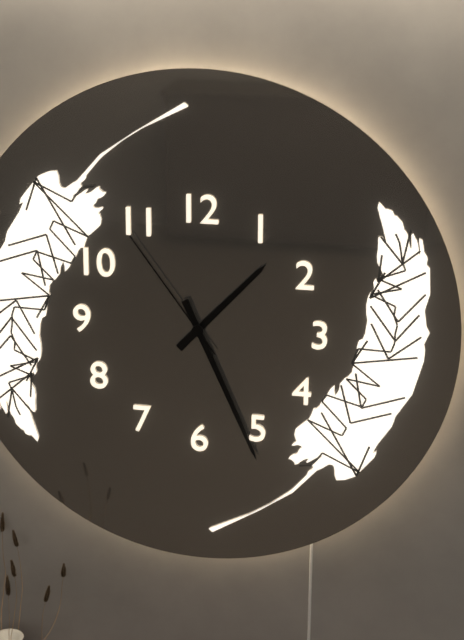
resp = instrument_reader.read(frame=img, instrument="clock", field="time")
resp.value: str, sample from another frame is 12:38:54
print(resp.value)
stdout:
1:26:54
